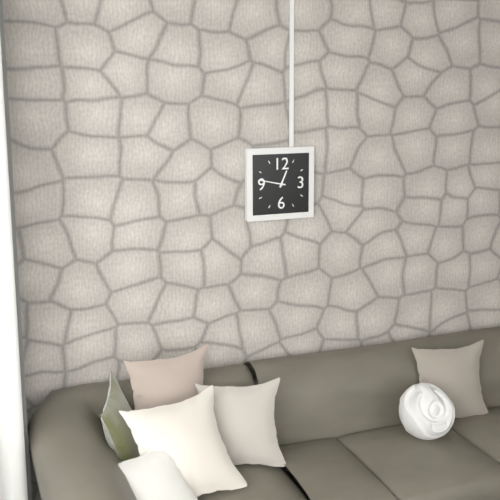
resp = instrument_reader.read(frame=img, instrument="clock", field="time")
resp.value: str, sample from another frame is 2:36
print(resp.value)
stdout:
12:47
